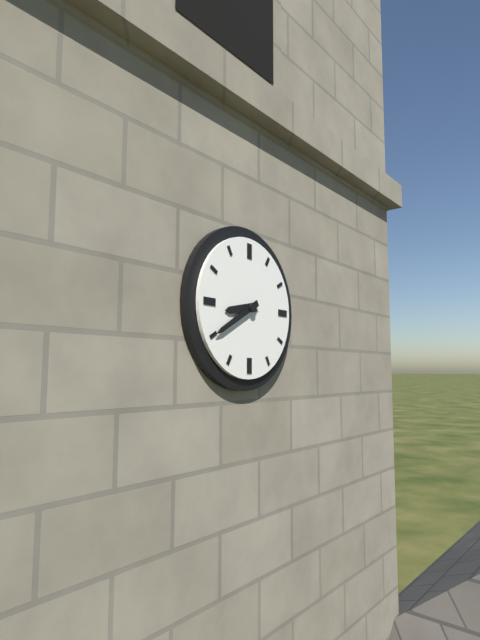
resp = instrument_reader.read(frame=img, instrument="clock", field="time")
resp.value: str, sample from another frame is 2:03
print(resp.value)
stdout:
8:40
